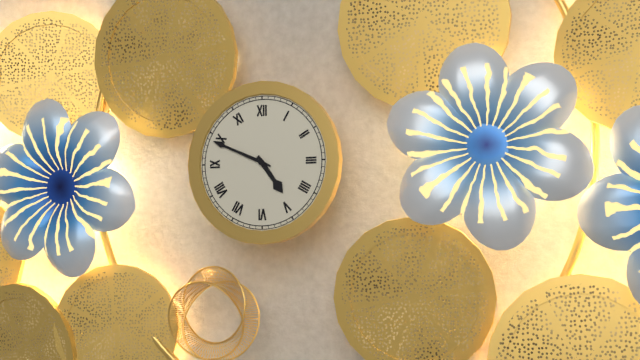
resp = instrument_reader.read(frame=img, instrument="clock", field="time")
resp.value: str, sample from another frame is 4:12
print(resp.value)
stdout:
4:49
